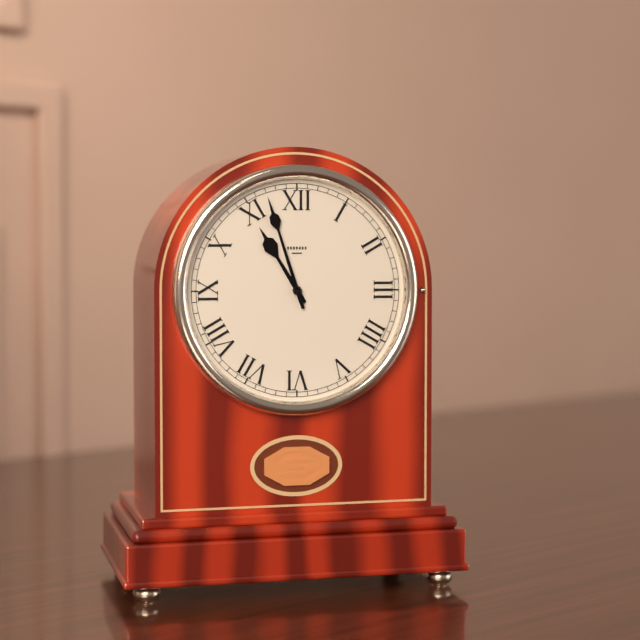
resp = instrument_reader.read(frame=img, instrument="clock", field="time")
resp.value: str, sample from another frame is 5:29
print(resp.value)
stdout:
10:57
